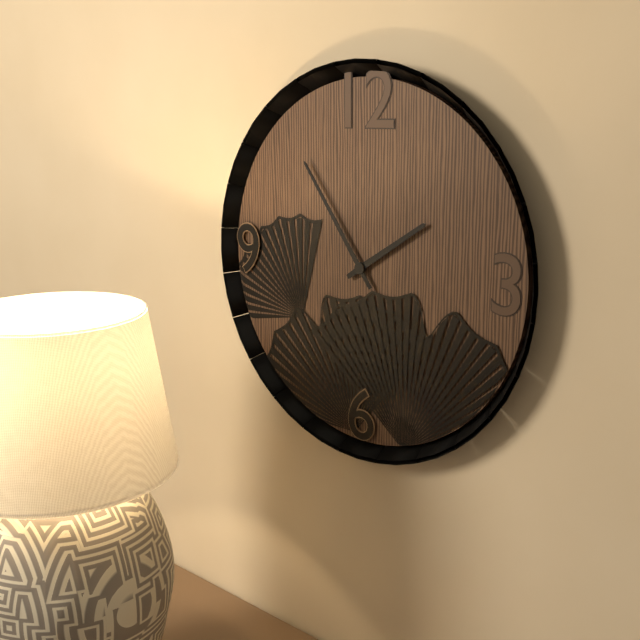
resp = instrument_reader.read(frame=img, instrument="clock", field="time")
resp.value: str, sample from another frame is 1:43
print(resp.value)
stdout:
1:54
